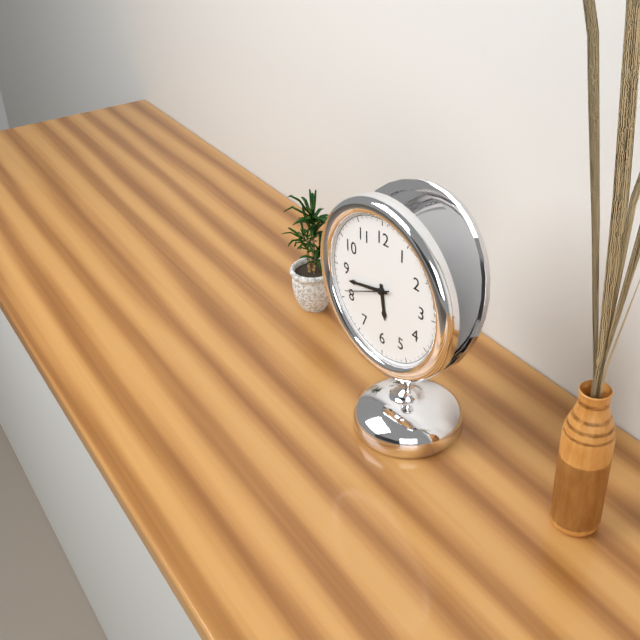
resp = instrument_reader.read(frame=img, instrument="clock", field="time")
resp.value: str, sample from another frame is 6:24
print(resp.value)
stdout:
5:43
